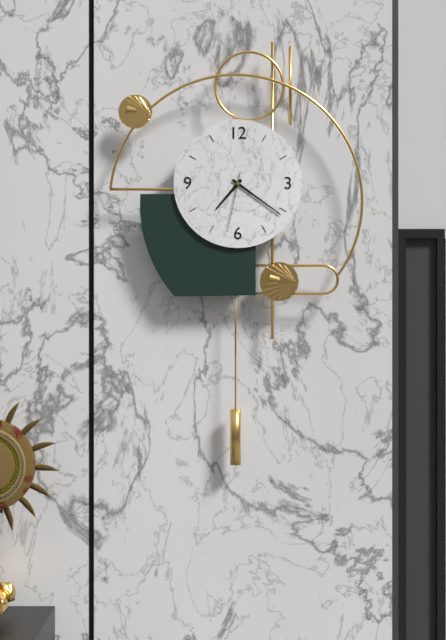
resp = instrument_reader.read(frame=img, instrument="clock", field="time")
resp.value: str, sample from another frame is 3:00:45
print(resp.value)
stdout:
7:21:32
